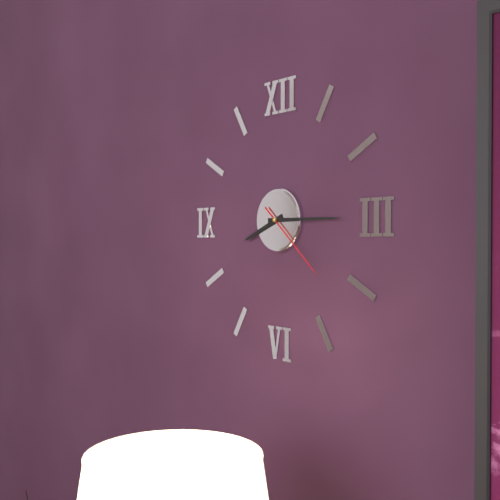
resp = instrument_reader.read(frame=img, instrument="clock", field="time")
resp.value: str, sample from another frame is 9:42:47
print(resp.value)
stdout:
8:15:22
